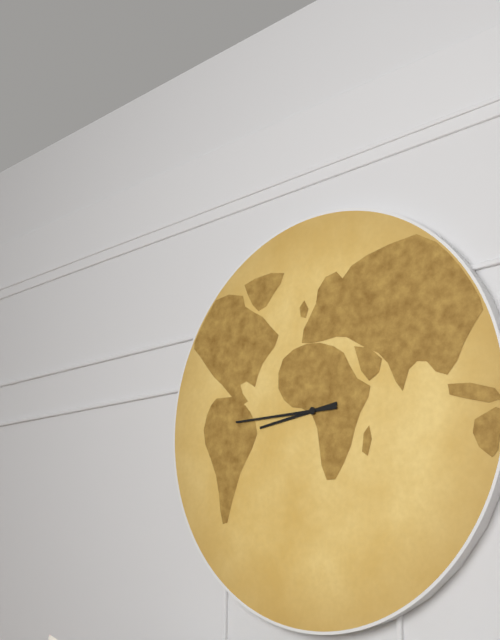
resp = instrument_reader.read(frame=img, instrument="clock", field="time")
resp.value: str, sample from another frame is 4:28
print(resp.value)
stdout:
8:45
